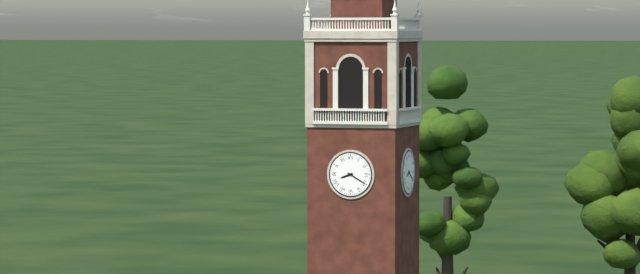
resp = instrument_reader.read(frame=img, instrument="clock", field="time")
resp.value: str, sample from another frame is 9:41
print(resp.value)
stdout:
8:20
